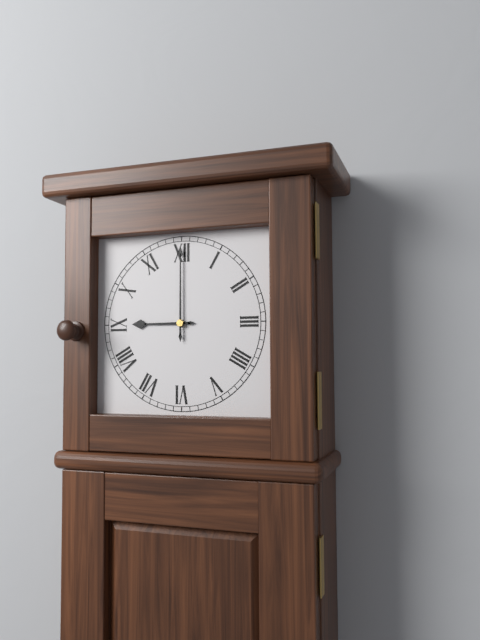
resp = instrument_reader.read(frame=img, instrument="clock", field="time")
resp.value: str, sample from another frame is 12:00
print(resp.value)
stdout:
9:00
